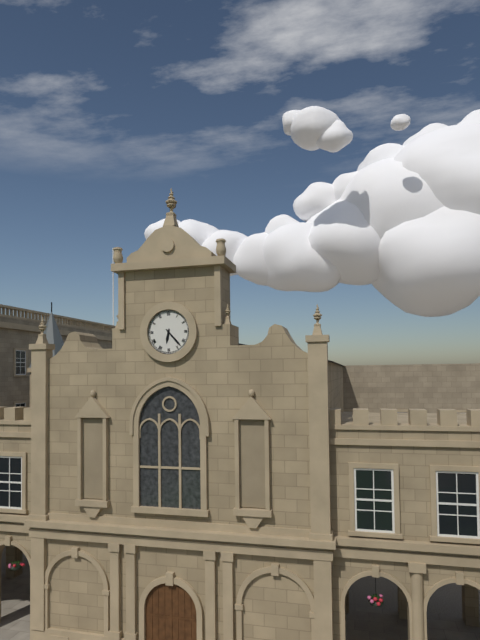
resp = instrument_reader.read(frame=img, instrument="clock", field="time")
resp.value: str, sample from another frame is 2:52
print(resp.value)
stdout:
6:23
